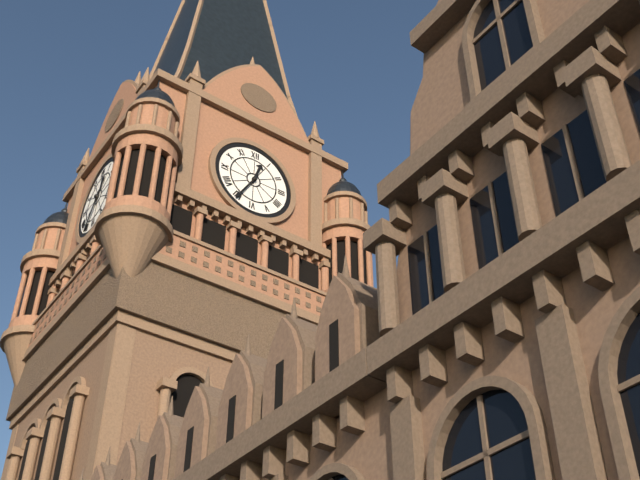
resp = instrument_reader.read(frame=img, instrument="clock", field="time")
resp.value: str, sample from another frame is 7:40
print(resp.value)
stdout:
12:35
